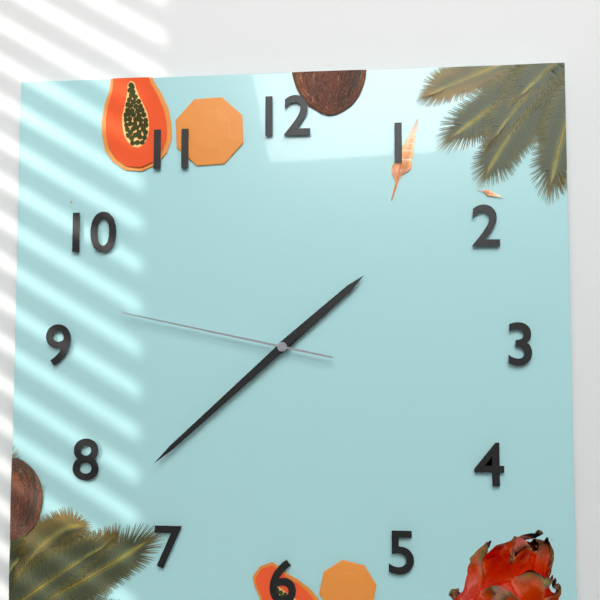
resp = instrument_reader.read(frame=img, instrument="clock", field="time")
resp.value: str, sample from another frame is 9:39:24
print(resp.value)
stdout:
1:38:47
